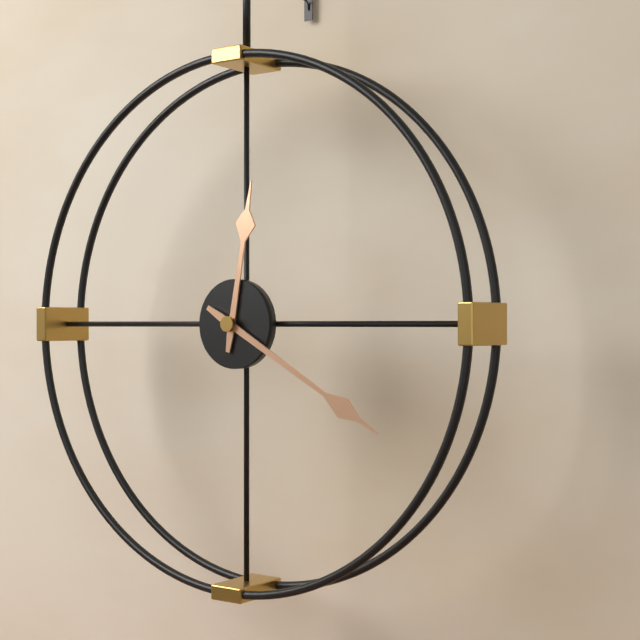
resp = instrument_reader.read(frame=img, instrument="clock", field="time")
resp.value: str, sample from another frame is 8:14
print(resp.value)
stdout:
12:20
